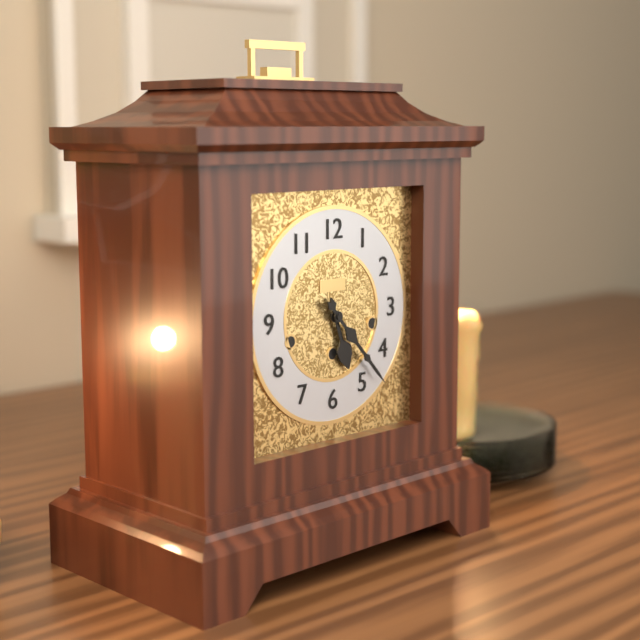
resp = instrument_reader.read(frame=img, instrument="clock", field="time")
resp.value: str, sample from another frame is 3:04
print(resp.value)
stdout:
5:23
